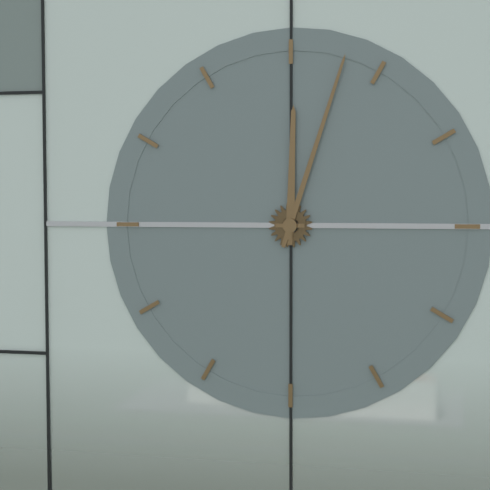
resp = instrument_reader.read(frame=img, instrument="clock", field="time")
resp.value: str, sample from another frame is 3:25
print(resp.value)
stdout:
12:03
